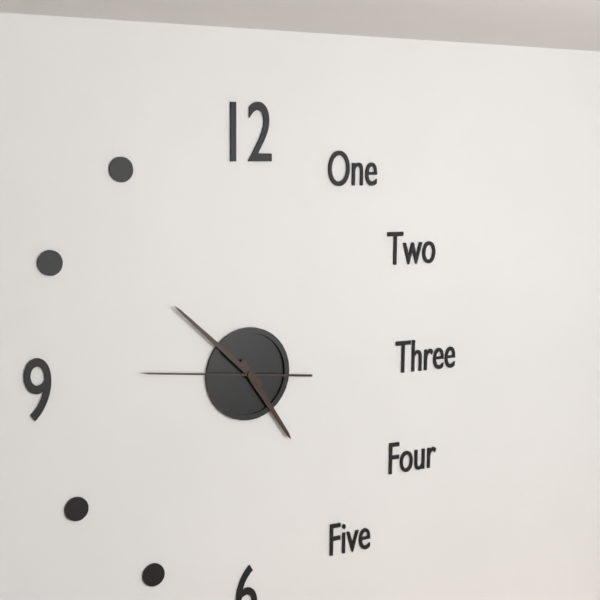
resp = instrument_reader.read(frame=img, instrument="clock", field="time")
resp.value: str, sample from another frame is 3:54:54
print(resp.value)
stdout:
4:52:46
